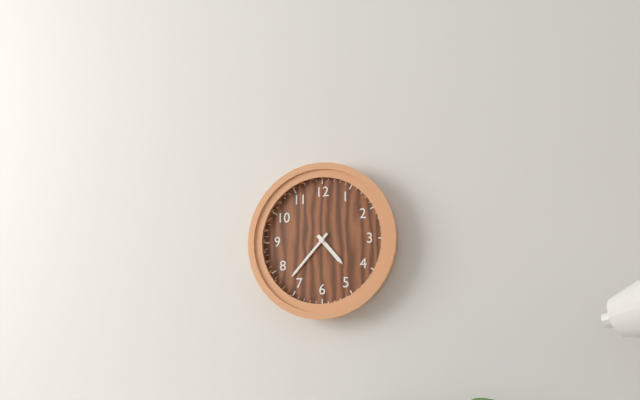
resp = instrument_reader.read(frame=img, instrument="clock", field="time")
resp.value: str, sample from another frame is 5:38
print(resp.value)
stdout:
4:37
